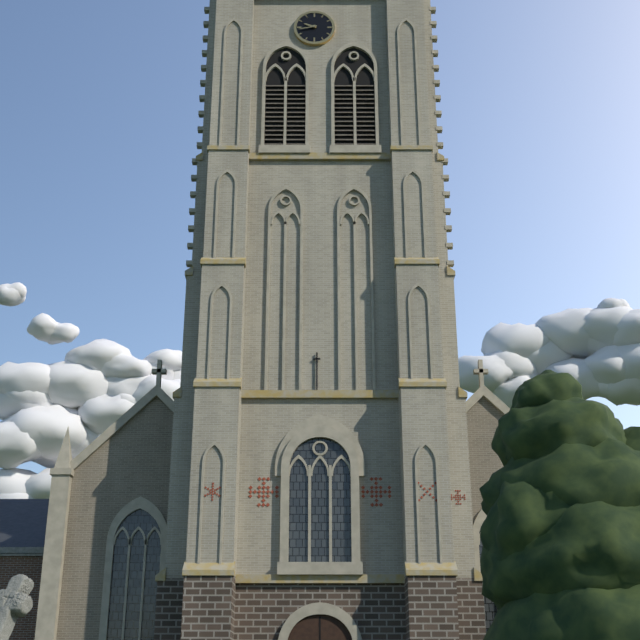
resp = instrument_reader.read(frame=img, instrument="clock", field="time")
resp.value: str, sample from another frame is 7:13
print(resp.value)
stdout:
9:43
